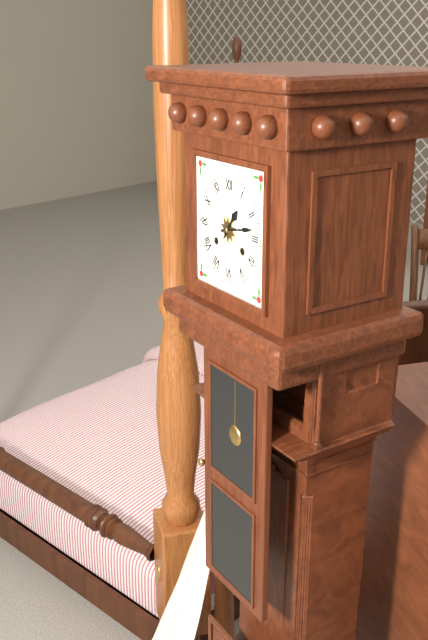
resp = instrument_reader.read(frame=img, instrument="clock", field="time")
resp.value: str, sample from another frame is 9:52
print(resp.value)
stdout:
1:13
